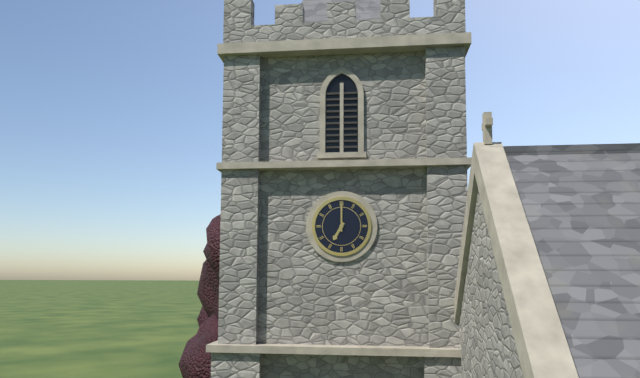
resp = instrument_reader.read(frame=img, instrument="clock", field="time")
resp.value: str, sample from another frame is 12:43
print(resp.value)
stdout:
7:00
